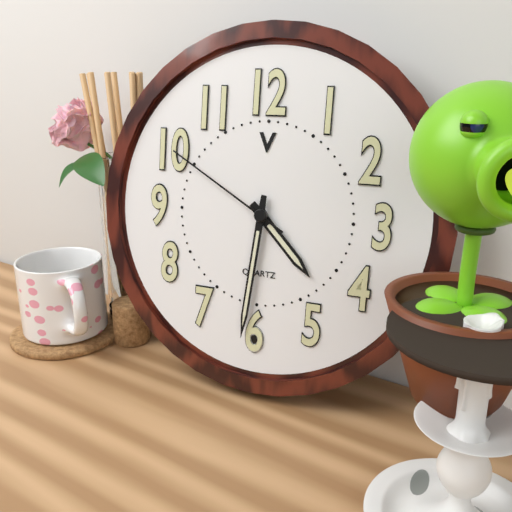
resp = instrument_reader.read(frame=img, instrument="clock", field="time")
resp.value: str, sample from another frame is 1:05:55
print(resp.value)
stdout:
4:31:50
